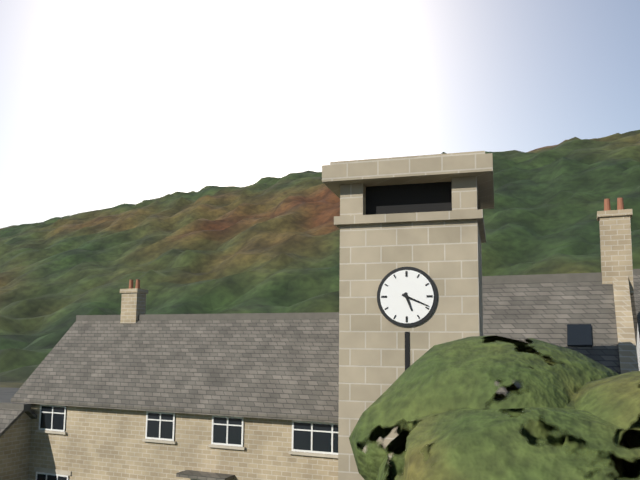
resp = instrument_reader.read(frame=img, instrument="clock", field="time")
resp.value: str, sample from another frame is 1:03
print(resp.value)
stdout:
5:19
